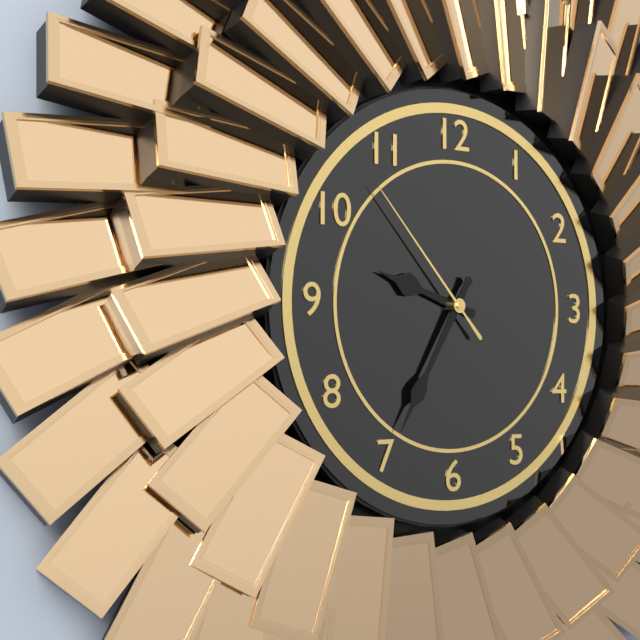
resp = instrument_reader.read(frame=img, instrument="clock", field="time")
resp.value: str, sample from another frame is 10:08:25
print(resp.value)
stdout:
9:35:53
